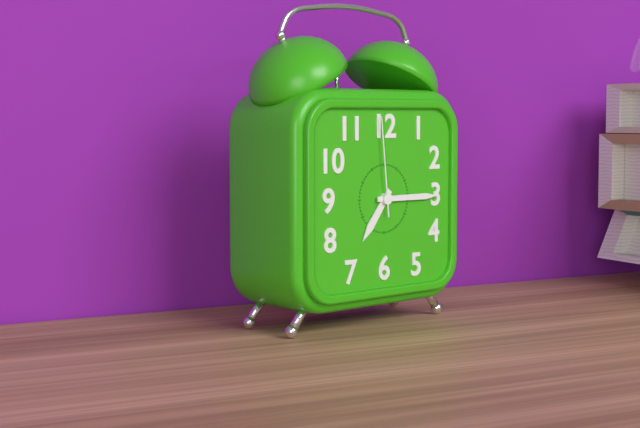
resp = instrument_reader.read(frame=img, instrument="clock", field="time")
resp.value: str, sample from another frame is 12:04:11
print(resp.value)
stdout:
7:15:59
